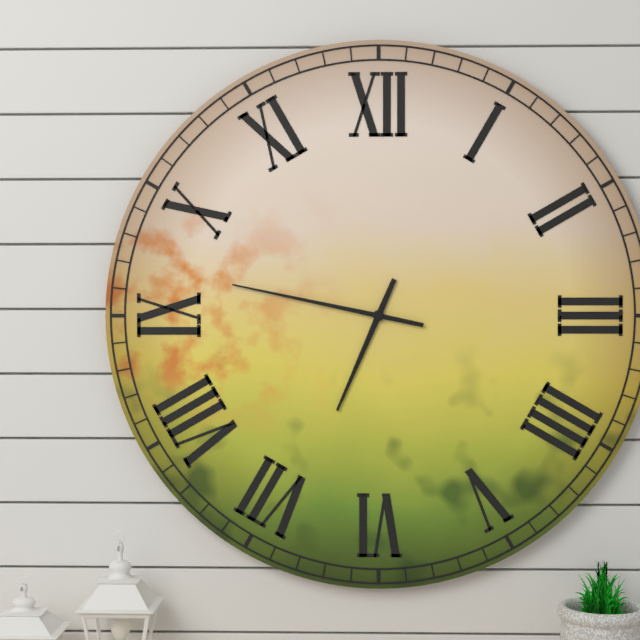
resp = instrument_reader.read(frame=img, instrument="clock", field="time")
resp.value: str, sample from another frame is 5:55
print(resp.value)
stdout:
6:47
